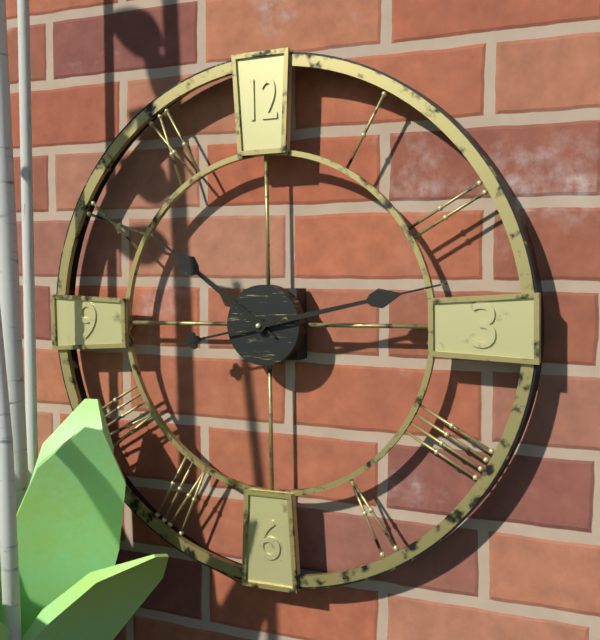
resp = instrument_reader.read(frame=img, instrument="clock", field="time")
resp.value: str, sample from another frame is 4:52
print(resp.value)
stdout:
10:13
